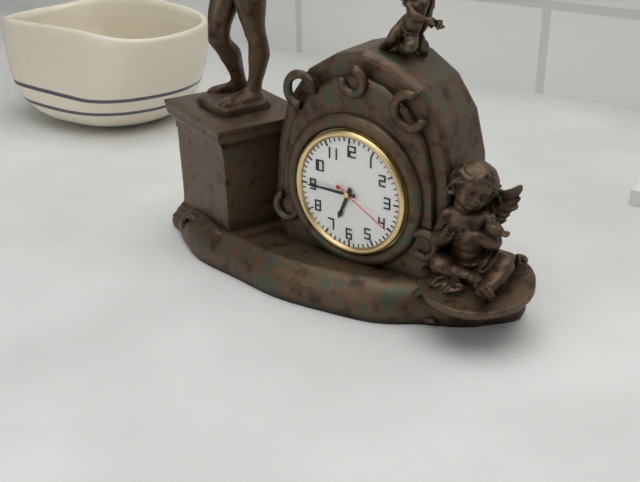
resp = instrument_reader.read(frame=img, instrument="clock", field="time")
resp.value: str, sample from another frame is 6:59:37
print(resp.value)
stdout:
6:45:20
